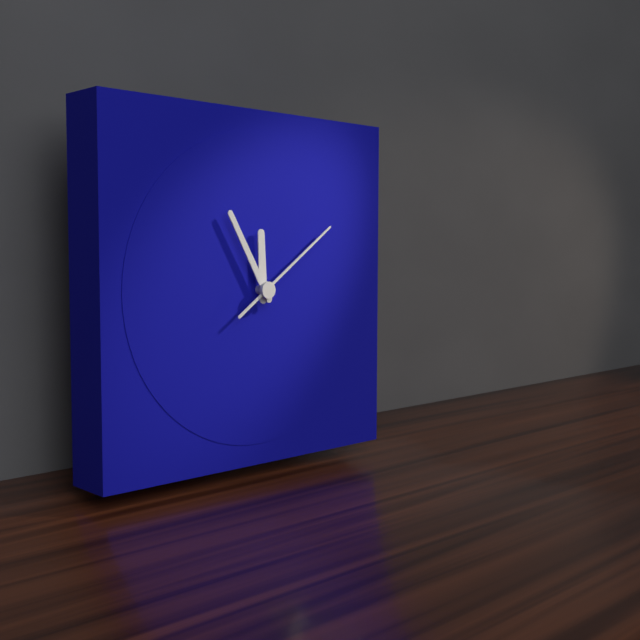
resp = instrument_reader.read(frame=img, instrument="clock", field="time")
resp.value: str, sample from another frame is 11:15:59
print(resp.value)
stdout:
11:55:09
